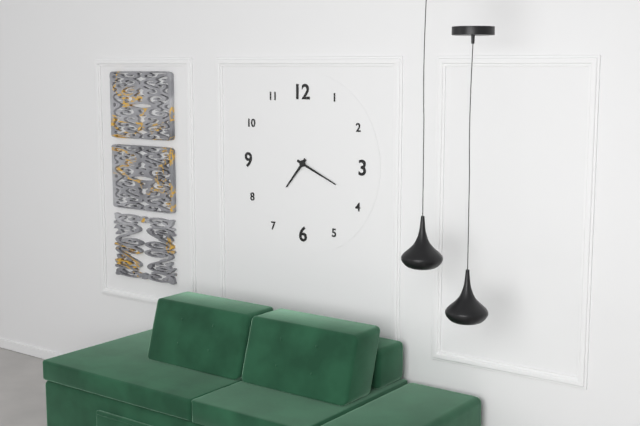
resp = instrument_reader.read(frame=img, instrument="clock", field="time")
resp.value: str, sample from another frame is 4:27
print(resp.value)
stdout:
7:19
